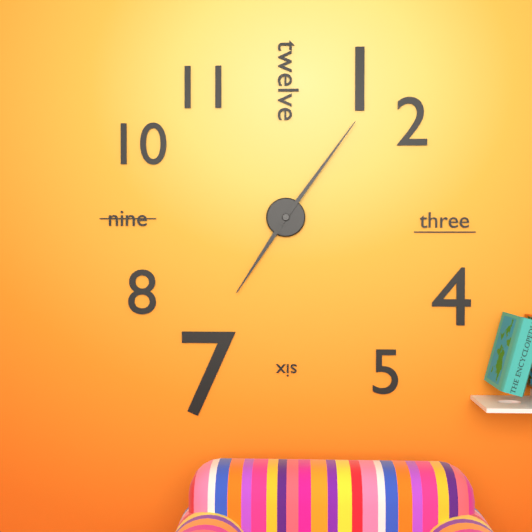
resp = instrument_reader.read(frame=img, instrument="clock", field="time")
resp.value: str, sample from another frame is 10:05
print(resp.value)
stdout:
7:06
